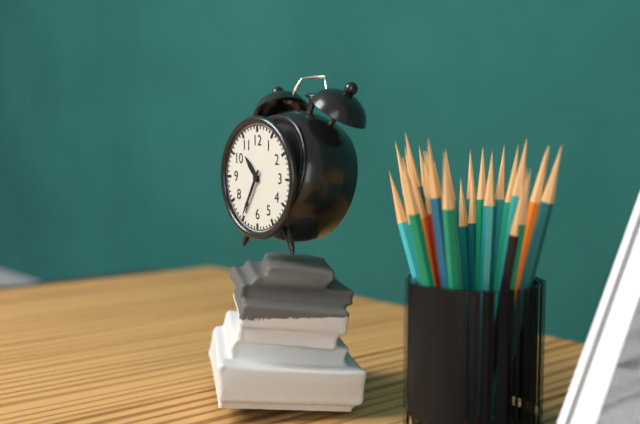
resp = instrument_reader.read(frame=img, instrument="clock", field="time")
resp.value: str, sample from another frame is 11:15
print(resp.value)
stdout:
10:35
